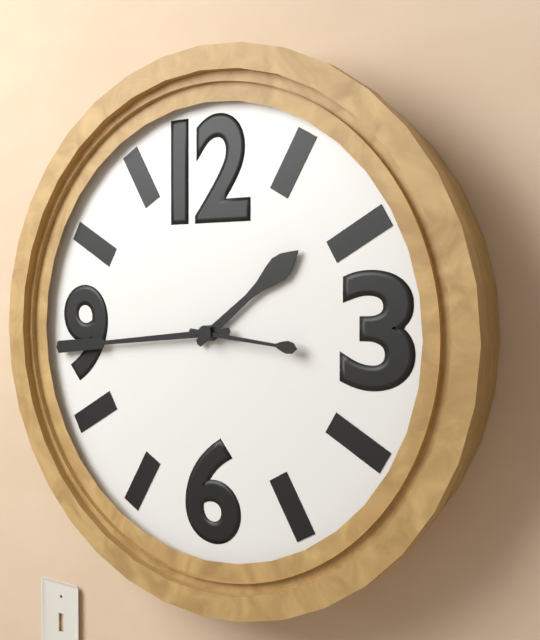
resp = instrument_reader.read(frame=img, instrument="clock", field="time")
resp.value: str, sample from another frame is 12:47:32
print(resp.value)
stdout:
1:44:16
